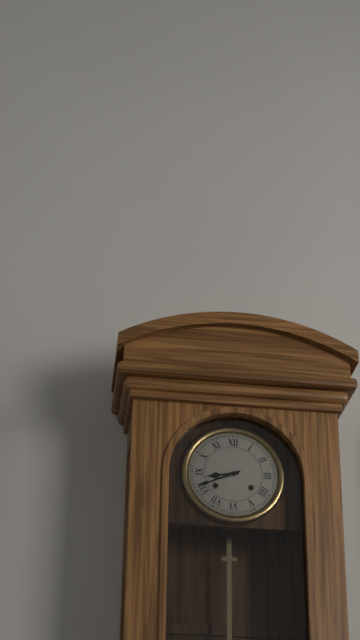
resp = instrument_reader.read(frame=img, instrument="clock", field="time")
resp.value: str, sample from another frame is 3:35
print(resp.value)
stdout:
8:41
